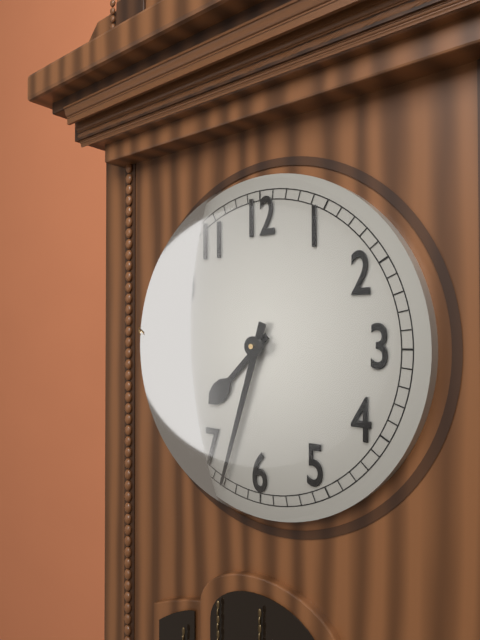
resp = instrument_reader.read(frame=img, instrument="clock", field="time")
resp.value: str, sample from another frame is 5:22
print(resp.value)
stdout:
7:33
